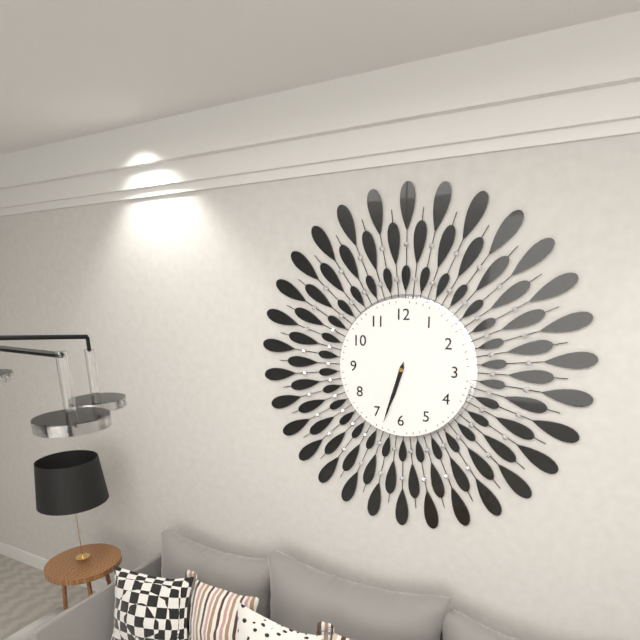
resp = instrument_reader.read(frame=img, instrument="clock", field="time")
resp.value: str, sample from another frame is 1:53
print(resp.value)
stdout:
6:33
